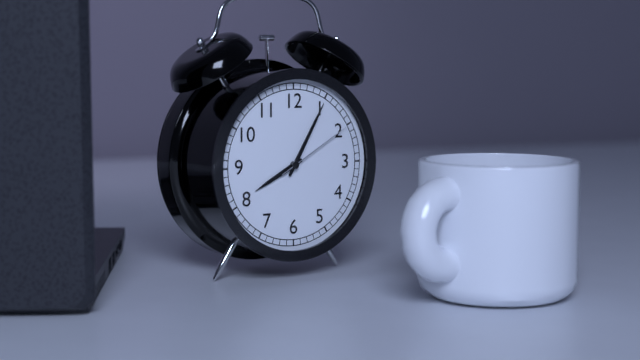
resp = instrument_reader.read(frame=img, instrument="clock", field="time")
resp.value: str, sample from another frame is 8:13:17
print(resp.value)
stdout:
8:05:10
